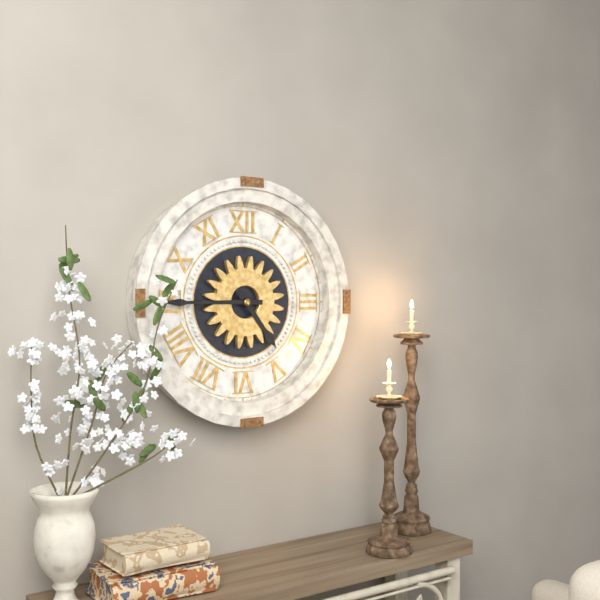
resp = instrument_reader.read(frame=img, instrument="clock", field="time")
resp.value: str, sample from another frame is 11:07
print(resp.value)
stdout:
4:45
